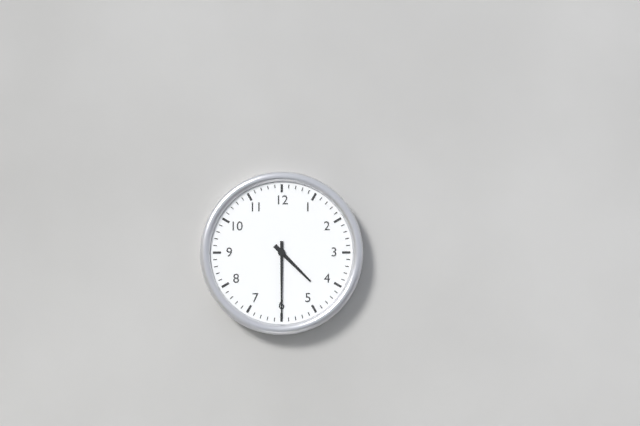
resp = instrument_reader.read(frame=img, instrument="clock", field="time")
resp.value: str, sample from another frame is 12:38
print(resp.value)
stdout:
4:30
